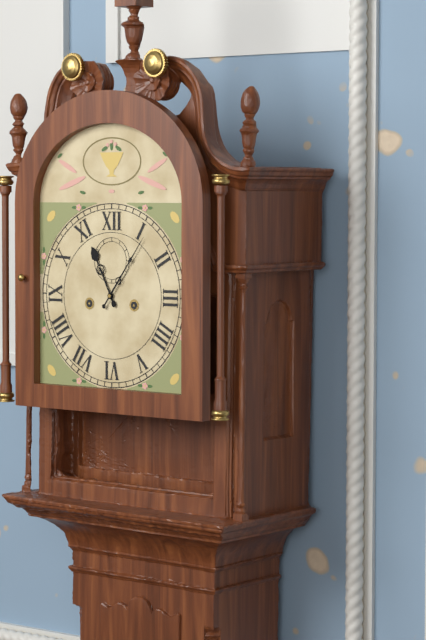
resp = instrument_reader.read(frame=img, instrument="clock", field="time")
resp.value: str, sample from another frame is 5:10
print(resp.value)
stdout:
11:06
